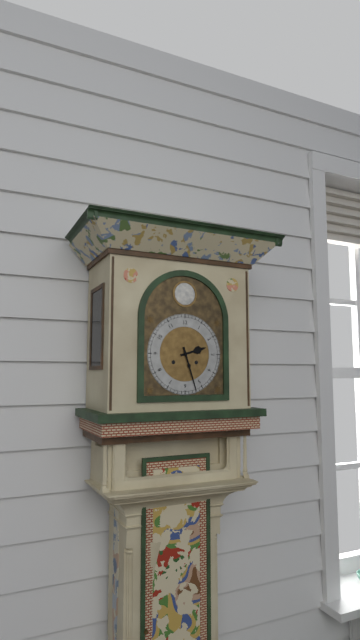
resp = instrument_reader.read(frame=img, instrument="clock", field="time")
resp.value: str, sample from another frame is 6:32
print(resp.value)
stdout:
2:27
